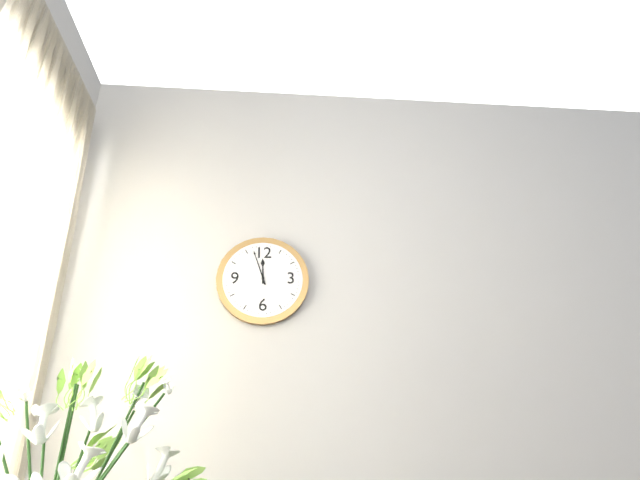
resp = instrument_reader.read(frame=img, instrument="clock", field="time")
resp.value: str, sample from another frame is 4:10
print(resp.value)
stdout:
11:57
